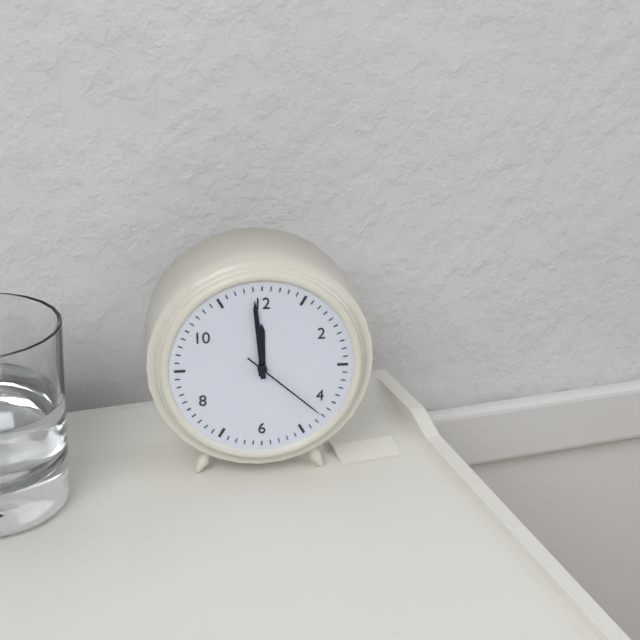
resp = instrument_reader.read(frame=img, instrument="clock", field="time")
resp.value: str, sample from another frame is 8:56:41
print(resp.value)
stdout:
11:59:22
